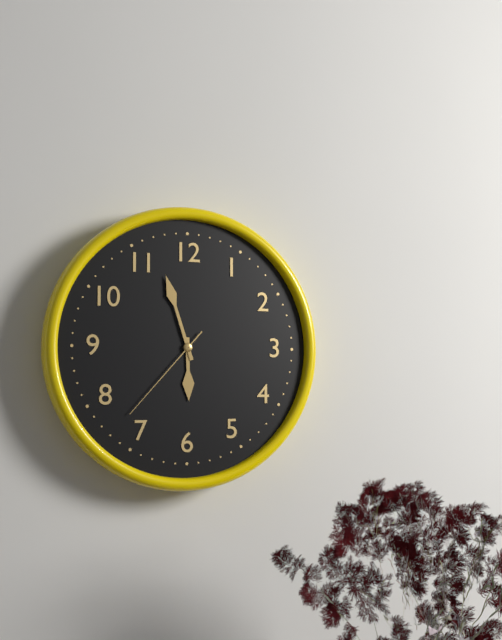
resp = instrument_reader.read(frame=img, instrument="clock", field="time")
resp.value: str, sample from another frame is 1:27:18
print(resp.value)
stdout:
5:57:37
